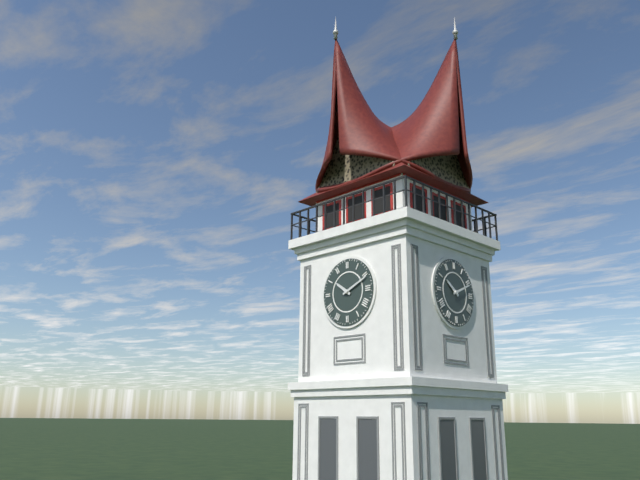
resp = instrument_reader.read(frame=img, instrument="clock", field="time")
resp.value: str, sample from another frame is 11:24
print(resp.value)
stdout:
10:11
